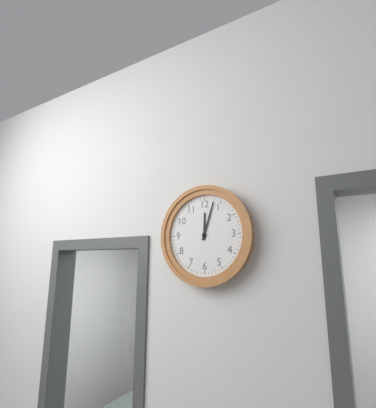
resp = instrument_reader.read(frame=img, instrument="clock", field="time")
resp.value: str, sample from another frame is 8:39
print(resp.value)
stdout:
12:03
